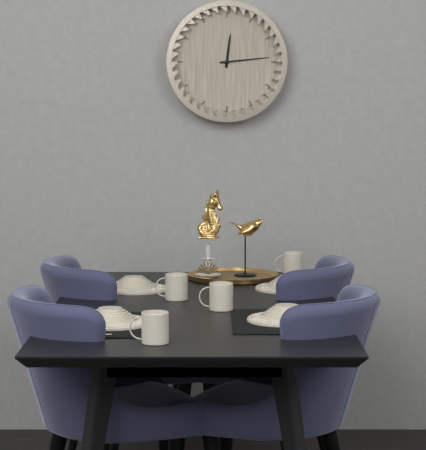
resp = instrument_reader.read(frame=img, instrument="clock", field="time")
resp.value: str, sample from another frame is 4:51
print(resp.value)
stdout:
12:14
